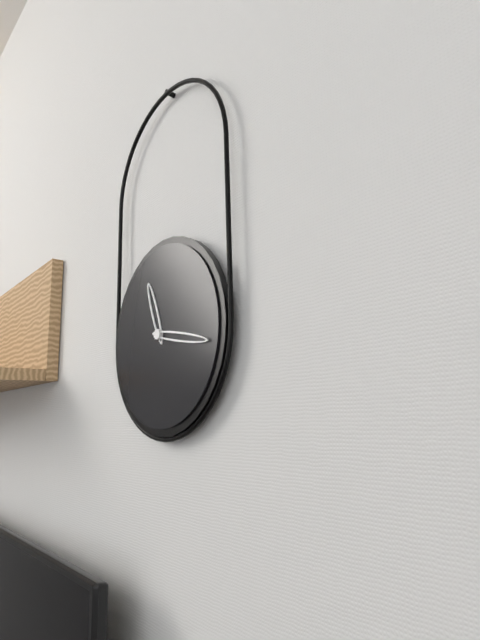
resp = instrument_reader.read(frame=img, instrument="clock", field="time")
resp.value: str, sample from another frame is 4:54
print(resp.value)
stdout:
11:17
